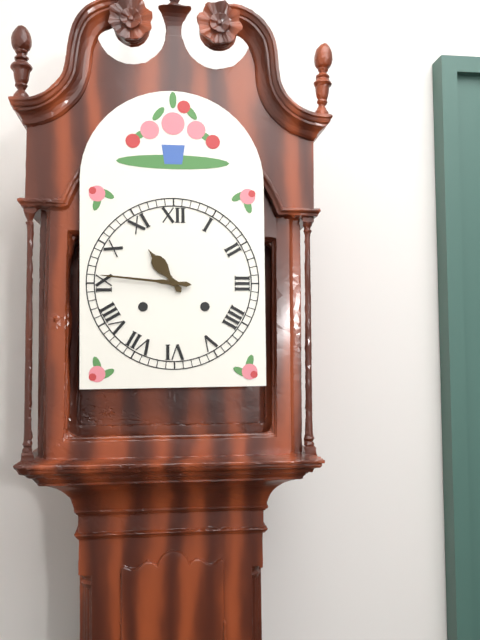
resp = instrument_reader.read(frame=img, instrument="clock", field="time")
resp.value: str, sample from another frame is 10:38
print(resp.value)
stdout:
10:46
